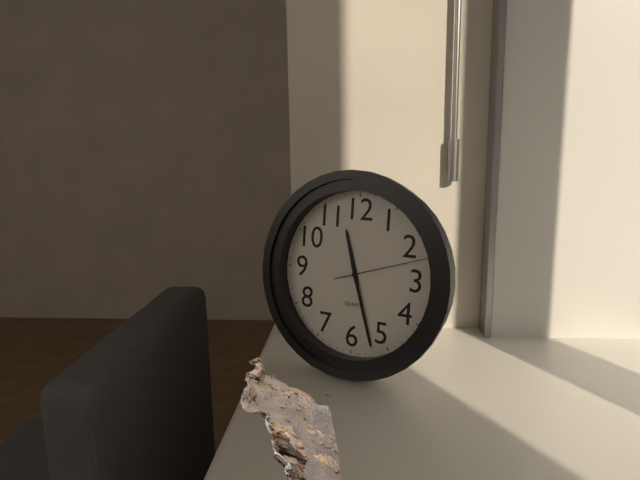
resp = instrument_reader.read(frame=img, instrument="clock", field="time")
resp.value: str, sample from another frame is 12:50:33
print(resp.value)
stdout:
11:27:12
